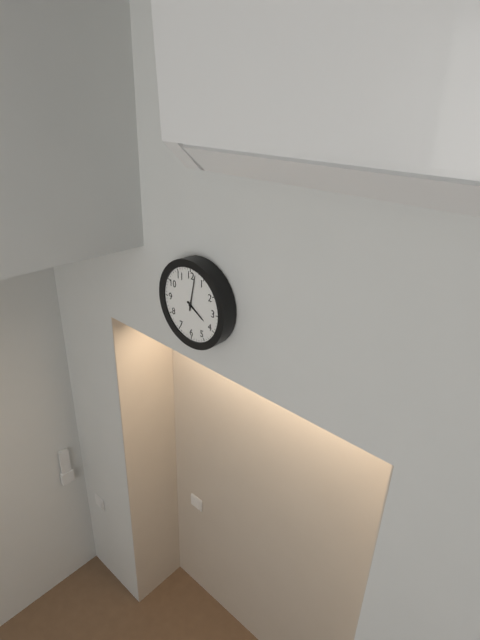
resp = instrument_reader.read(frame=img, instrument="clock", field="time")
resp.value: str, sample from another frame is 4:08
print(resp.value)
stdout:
4:02
